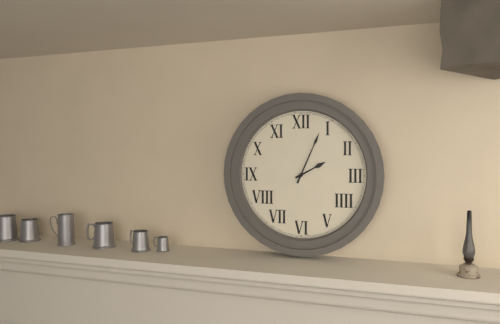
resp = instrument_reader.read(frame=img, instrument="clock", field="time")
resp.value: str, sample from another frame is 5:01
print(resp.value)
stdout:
2:04
